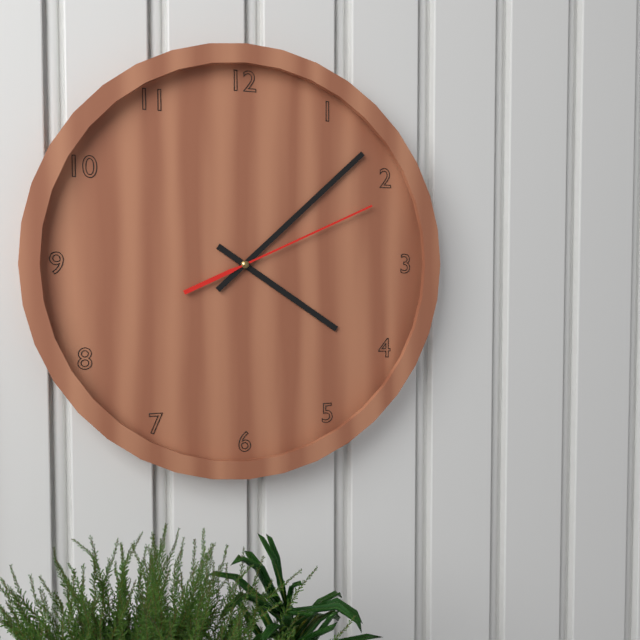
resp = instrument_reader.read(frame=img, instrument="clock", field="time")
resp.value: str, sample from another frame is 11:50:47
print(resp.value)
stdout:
4:08:11
